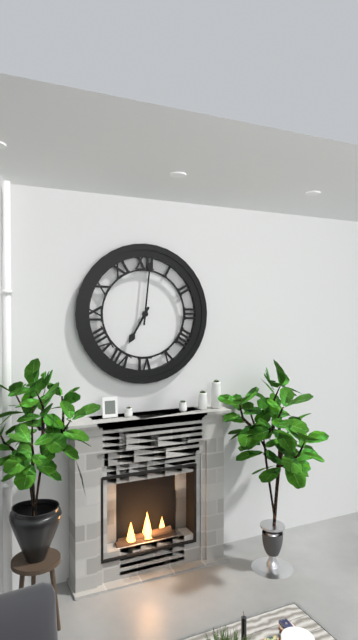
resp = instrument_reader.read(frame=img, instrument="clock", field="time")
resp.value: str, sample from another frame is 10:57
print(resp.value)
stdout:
7:01
